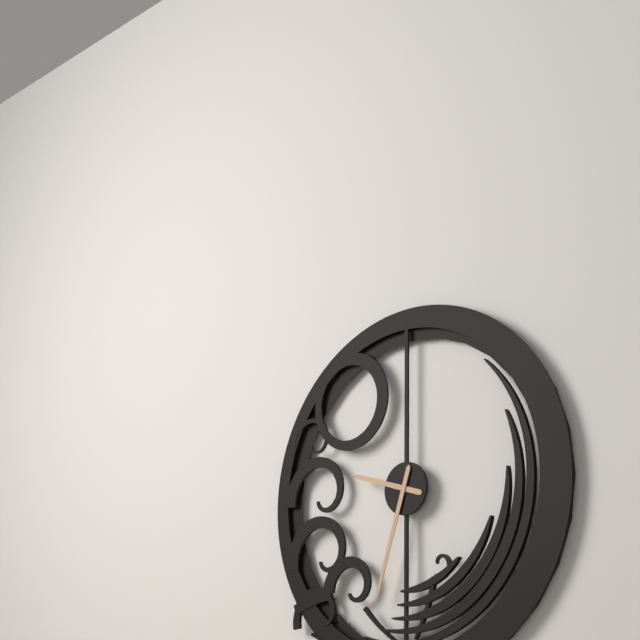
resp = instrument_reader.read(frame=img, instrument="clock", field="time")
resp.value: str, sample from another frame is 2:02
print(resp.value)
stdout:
9:33
